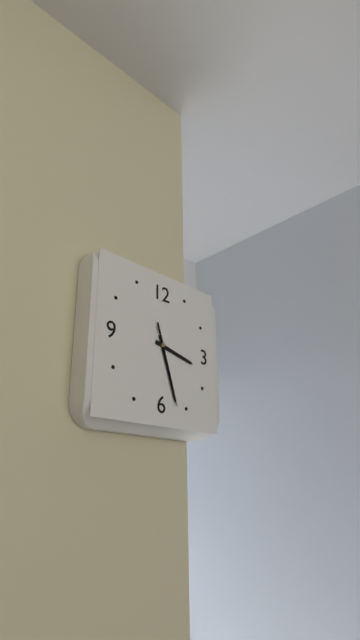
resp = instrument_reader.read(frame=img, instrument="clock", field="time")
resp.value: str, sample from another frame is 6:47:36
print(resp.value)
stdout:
3:27:27
